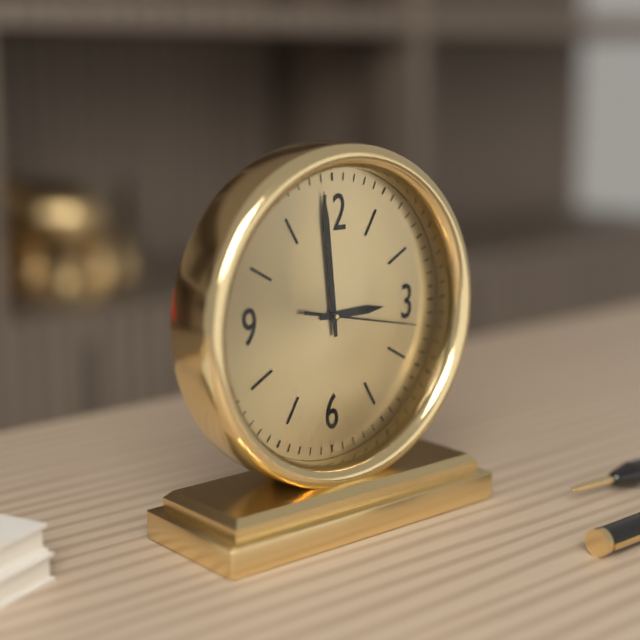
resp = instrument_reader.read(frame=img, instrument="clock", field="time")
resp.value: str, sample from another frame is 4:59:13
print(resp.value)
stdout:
2:59:17
